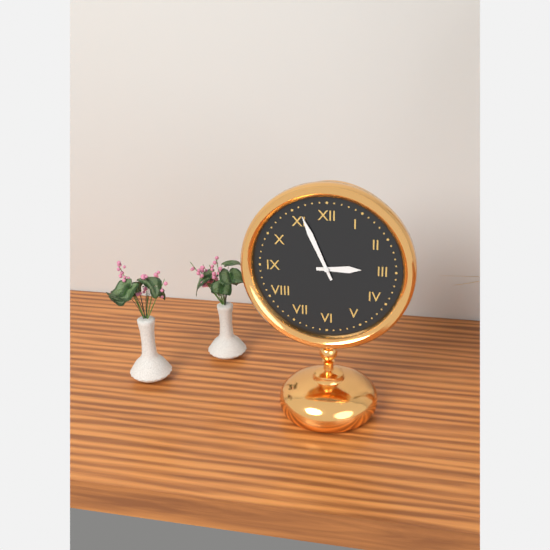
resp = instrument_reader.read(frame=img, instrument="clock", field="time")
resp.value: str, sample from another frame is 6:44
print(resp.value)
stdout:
2:56
